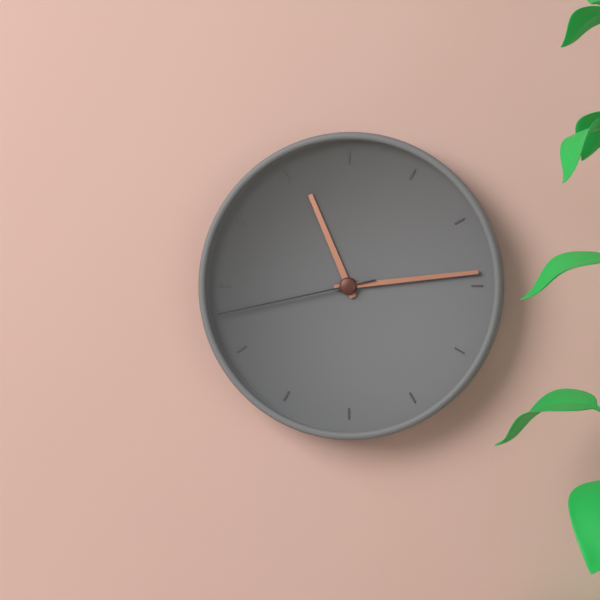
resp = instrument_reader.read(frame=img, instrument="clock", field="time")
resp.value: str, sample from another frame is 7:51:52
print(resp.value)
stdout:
11:14:43
